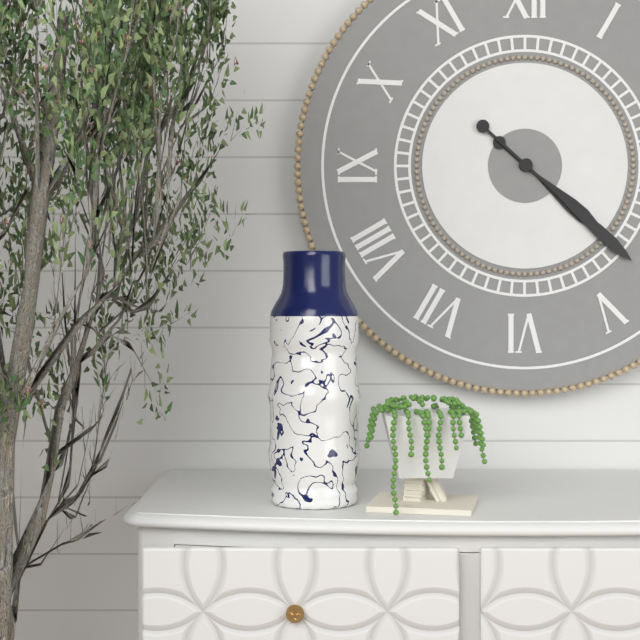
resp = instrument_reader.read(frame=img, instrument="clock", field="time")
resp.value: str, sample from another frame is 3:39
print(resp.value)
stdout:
4:22
